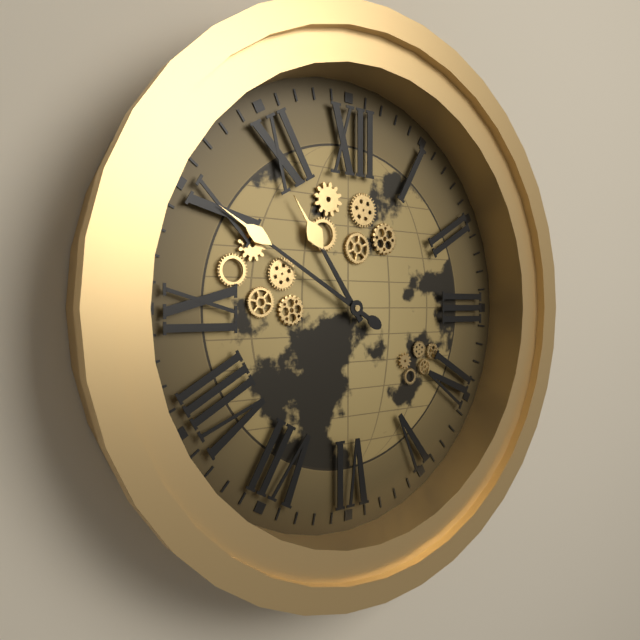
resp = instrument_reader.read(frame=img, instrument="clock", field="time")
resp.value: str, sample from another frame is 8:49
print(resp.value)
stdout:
10:50
